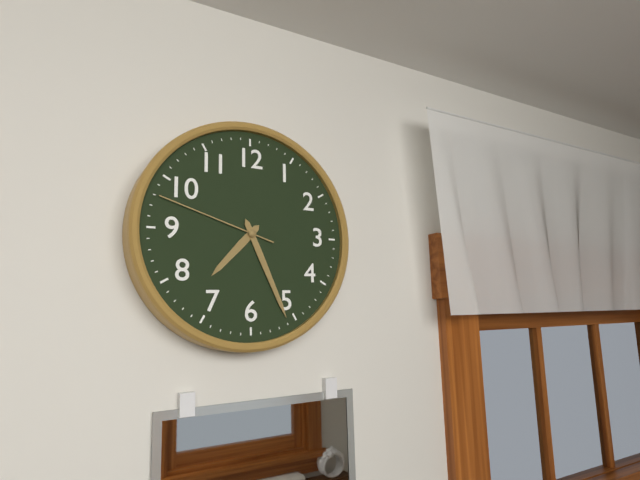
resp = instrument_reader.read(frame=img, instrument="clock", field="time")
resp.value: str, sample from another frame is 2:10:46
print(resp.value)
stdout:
7:26:48
